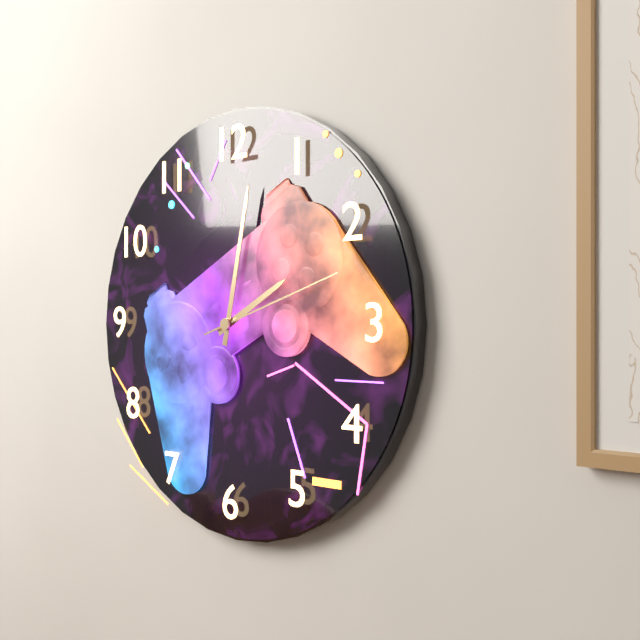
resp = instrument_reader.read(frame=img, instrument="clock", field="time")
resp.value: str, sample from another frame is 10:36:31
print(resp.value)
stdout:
2:02:12
